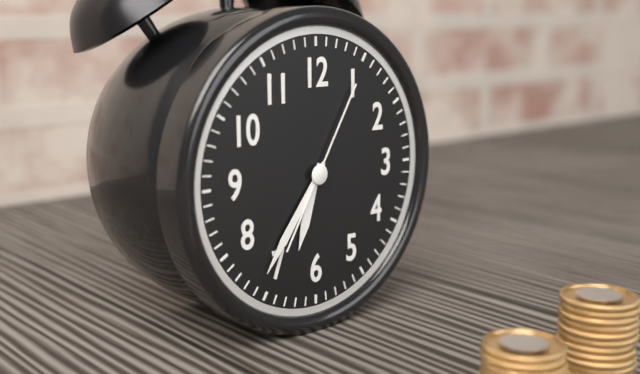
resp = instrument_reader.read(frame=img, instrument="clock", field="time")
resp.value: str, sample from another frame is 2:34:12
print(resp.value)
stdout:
6:36:05
